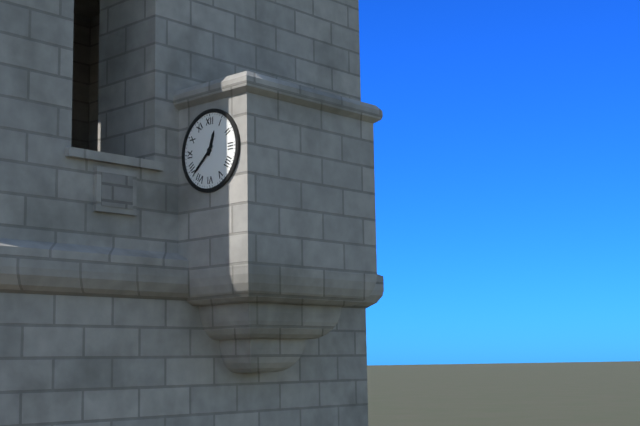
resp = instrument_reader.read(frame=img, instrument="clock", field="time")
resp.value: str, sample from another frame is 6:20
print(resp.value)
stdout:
12:38
